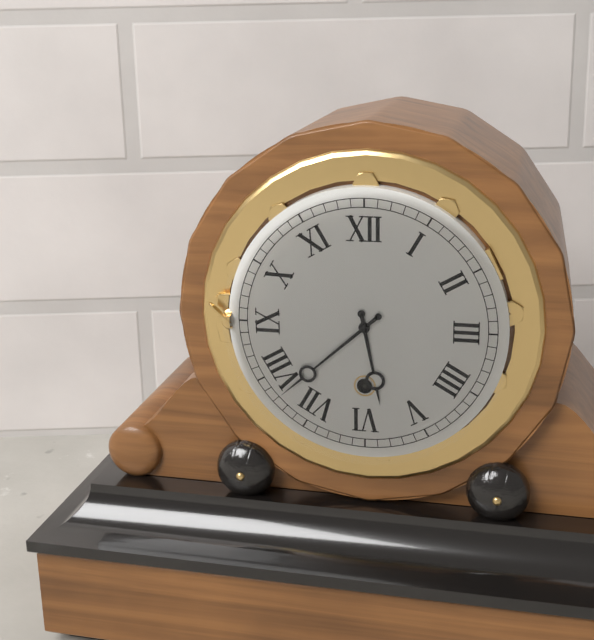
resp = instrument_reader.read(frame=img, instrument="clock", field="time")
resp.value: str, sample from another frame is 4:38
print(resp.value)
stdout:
5:38
